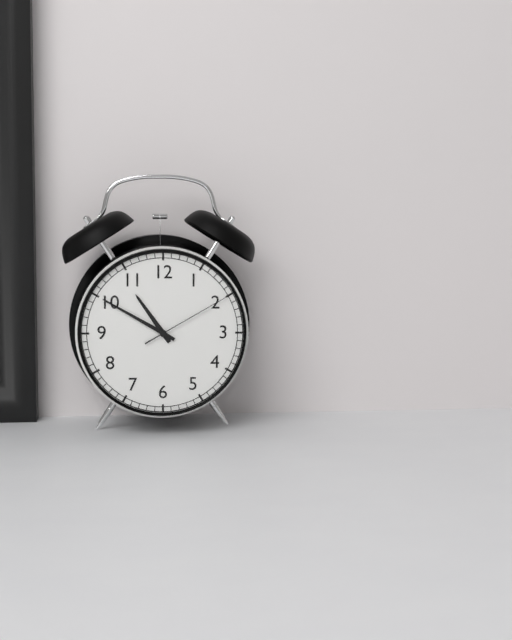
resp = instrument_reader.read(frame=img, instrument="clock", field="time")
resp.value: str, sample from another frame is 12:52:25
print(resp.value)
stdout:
10:50:10
